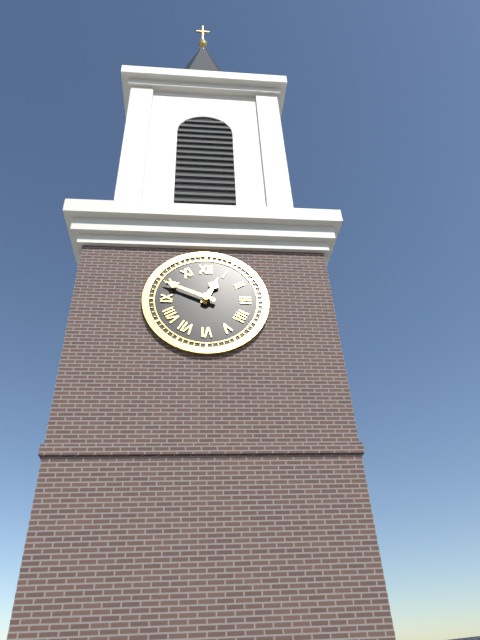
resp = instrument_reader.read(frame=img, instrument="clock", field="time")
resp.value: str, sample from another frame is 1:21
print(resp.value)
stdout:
12:49
